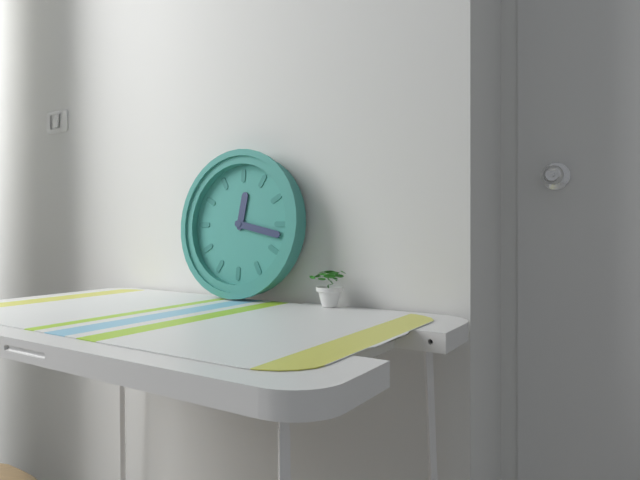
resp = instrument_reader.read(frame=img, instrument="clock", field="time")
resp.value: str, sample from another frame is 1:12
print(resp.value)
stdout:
12:17
